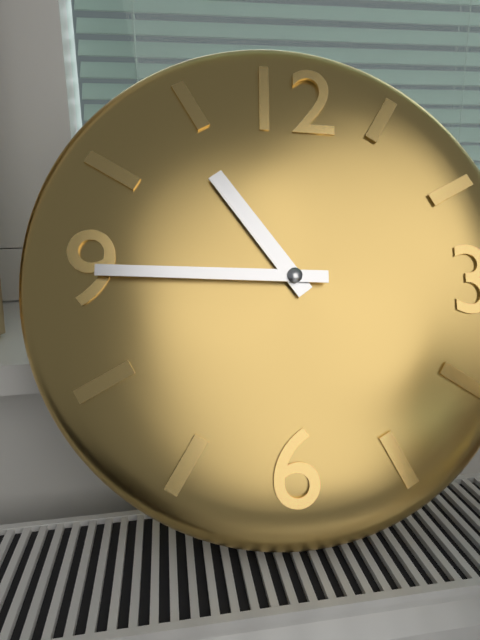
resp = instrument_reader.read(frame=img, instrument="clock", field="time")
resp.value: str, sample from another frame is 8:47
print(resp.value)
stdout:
10:45
